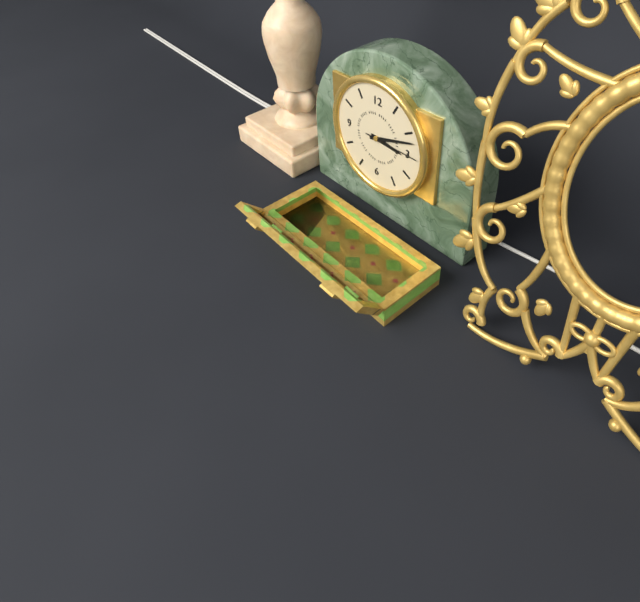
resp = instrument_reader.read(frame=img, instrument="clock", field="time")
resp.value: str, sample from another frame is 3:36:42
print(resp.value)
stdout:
3:12:15
